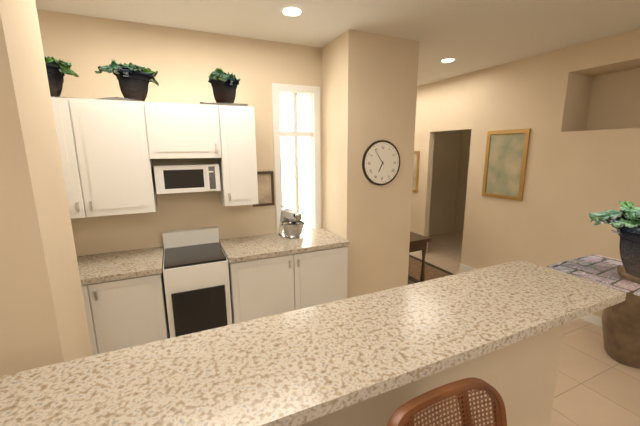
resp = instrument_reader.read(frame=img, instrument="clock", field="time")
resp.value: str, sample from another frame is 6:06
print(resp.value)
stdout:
6:54
